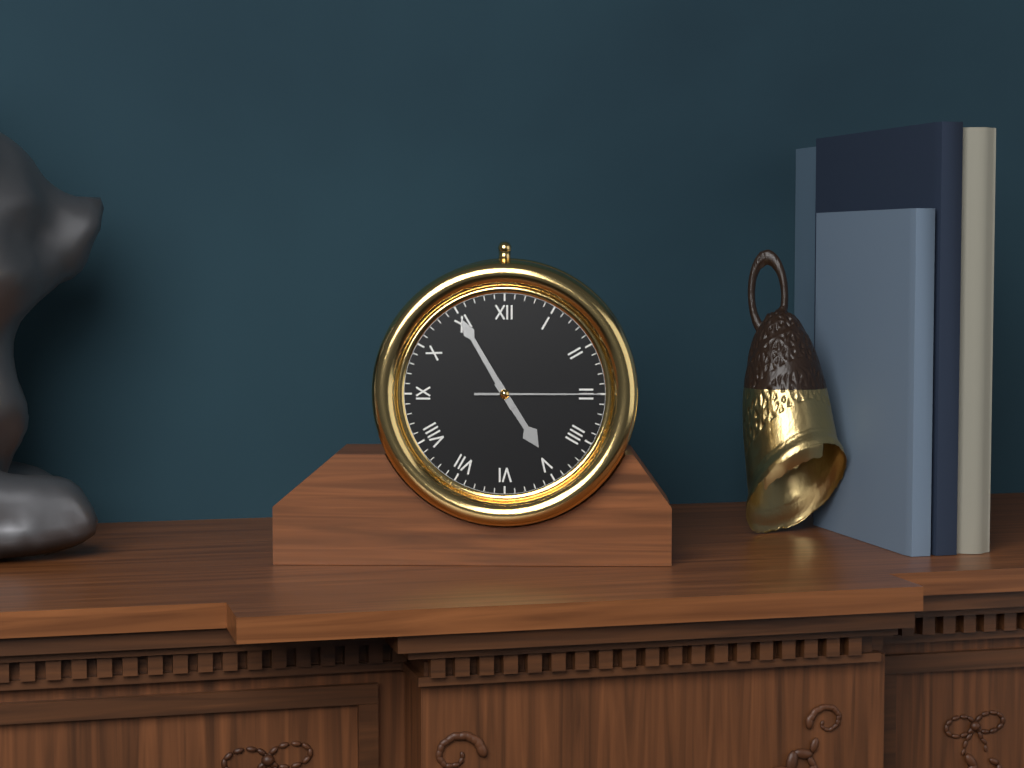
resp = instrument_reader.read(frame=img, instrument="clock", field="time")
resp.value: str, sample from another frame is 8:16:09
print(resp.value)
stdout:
4:55:15
